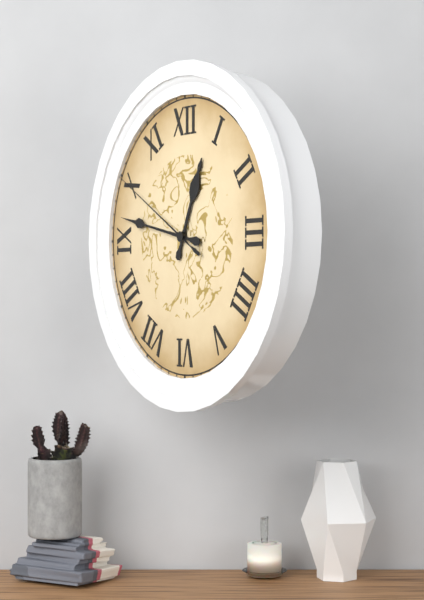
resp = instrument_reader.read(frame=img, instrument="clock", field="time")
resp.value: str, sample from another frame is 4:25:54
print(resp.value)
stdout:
12:47:50
